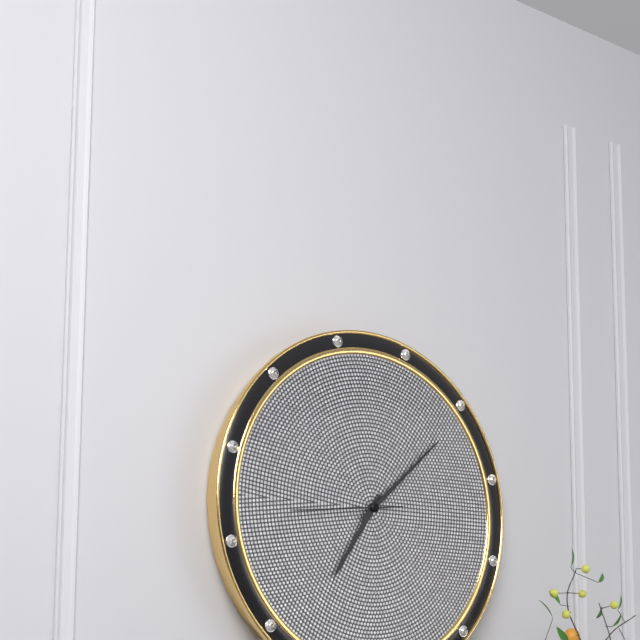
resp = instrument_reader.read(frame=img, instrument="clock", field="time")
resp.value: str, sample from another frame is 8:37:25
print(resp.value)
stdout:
7:08:44
